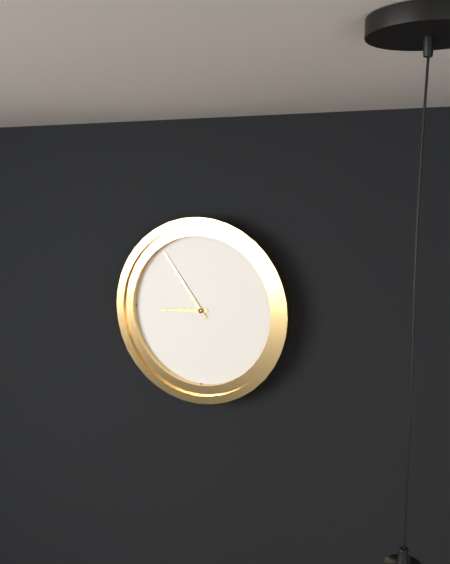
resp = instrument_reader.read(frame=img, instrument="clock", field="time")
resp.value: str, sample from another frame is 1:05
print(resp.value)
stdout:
8:54
